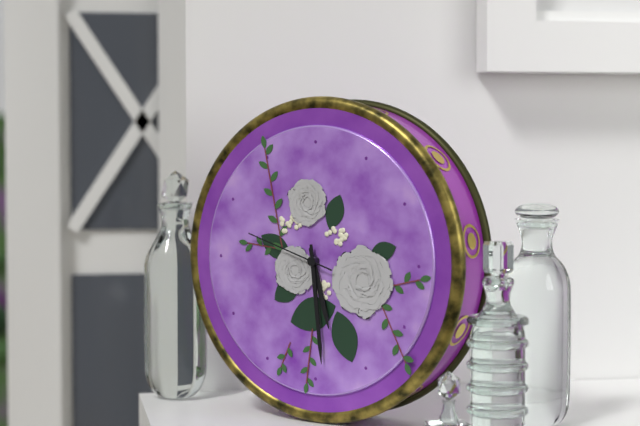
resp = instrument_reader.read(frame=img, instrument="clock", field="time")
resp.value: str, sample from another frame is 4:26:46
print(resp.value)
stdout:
5:29:48
